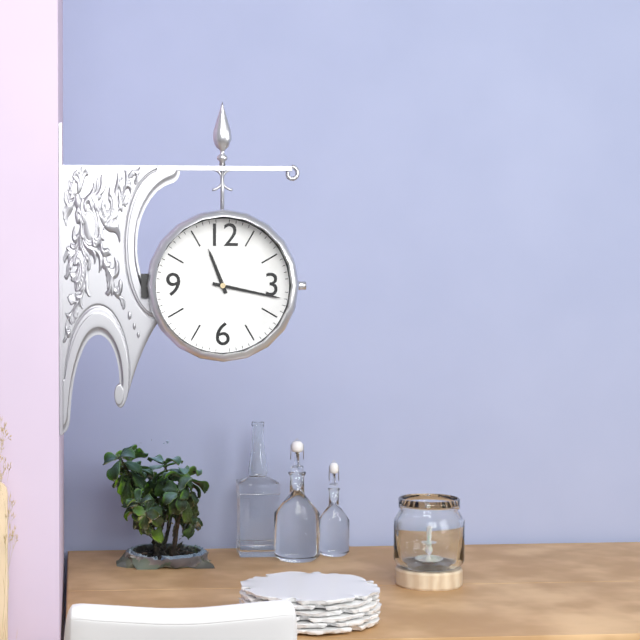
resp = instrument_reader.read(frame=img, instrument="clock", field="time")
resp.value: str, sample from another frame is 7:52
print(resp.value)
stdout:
11:17
